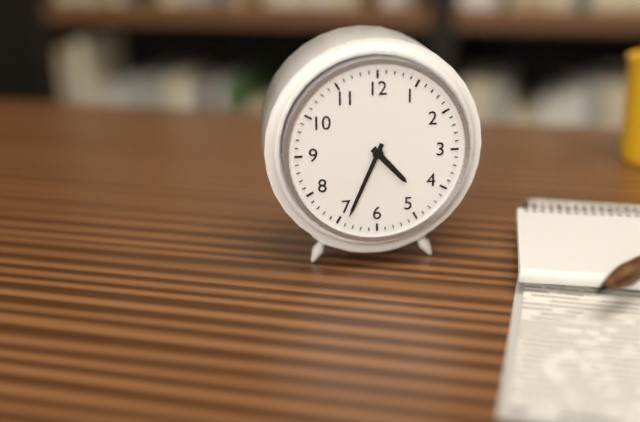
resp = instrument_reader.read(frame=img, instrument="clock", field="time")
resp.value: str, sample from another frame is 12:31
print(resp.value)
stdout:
4:34
